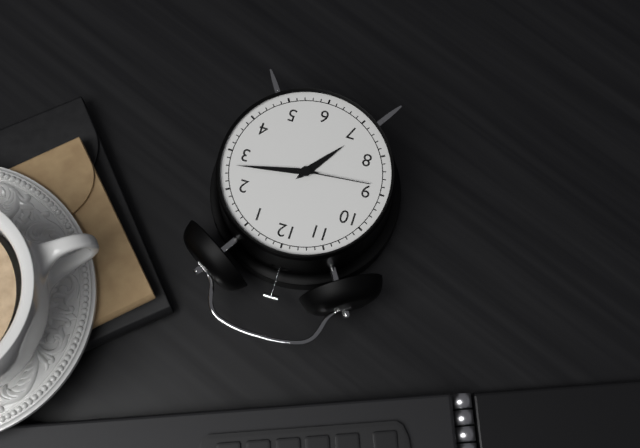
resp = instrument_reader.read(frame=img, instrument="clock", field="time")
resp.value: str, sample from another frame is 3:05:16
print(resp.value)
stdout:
7:13:44
